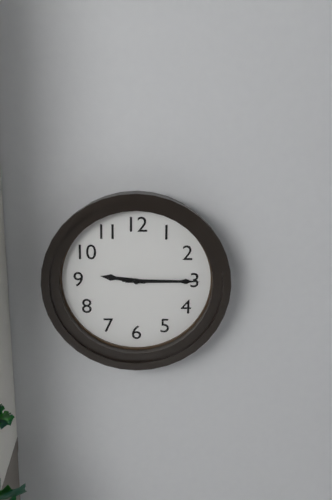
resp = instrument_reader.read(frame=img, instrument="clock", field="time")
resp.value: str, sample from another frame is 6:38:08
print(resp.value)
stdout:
9:15:15
